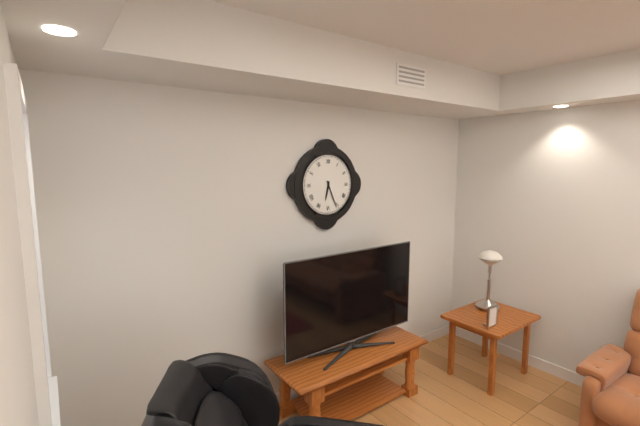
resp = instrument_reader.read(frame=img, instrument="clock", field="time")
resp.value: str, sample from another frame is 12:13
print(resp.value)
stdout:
6:26
